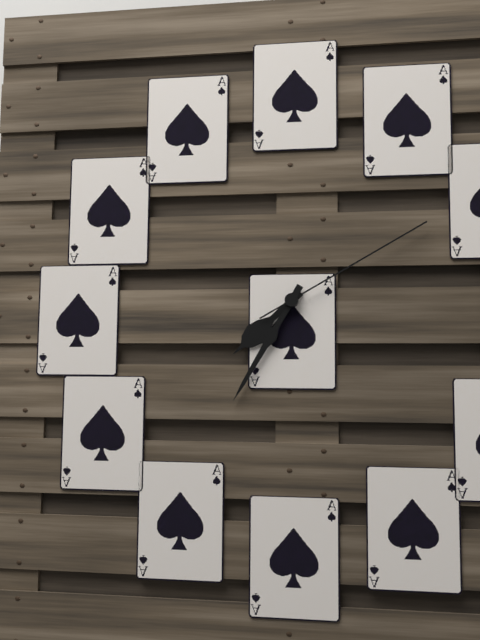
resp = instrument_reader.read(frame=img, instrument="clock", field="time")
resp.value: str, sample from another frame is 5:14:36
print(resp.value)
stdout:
7:35:10
